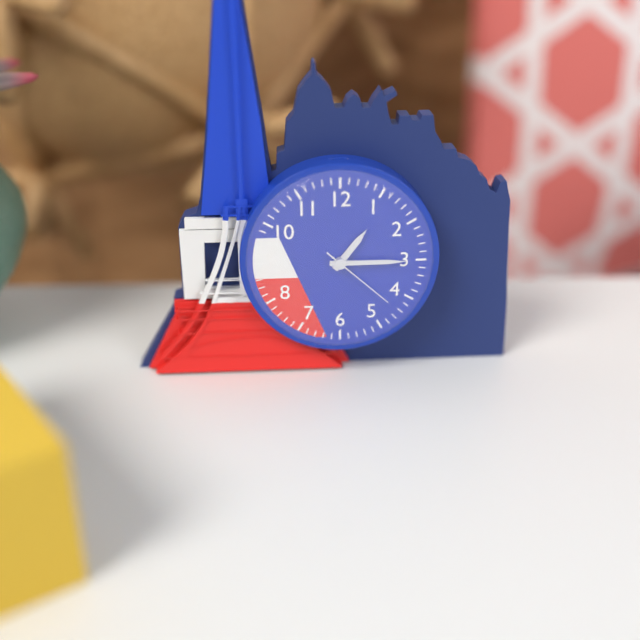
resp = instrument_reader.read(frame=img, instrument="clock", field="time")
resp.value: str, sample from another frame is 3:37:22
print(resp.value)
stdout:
1:15:22
